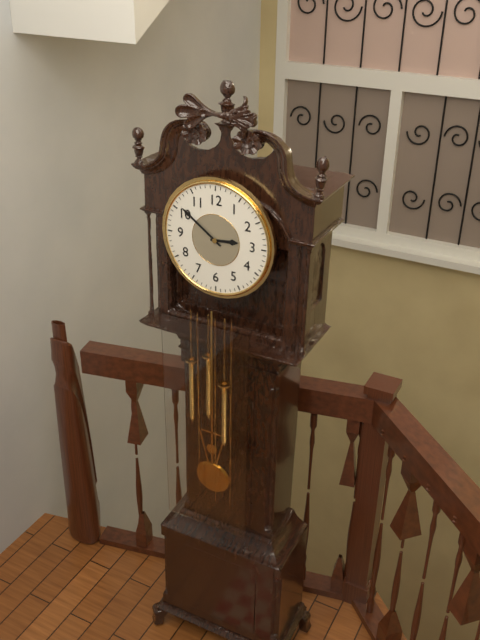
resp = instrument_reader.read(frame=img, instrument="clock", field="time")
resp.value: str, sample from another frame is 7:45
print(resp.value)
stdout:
2:51
